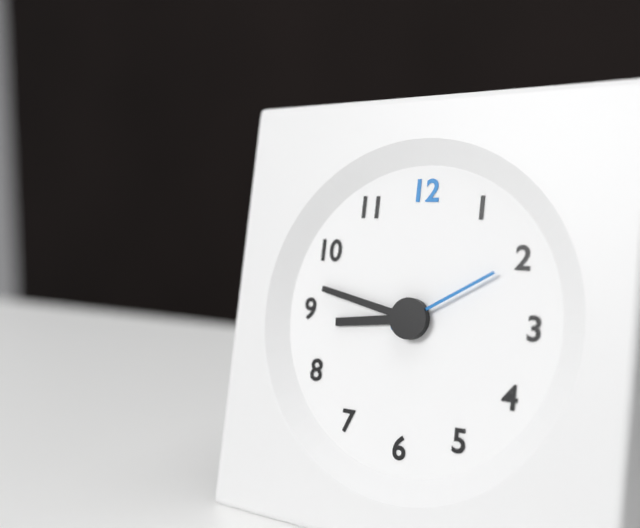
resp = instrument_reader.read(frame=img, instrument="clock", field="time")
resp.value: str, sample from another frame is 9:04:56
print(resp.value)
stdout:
8:47:10
